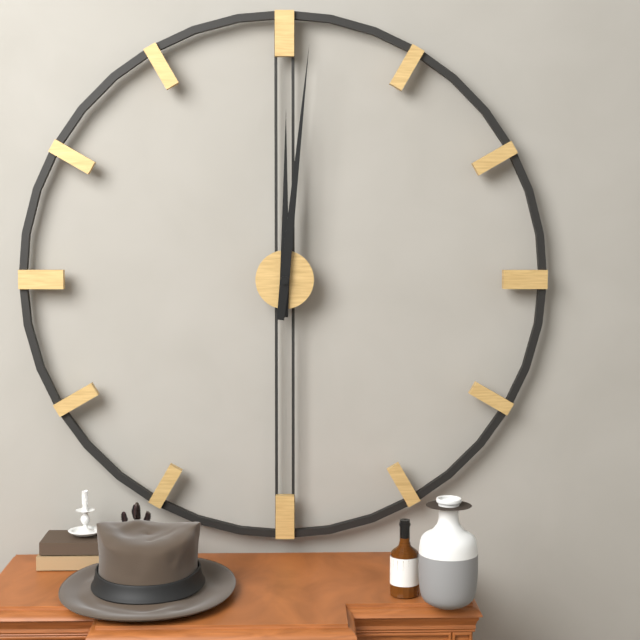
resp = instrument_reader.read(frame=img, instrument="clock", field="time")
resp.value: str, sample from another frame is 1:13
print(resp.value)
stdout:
12:01
